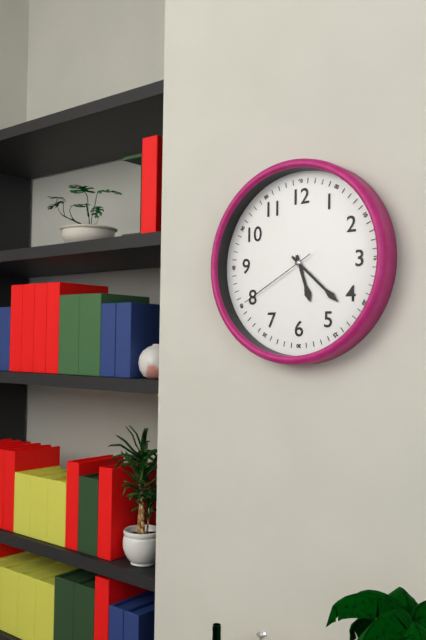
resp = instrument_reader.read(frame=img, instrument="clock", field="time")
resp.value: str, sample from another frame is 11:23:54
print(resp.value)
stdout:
5:22:40
